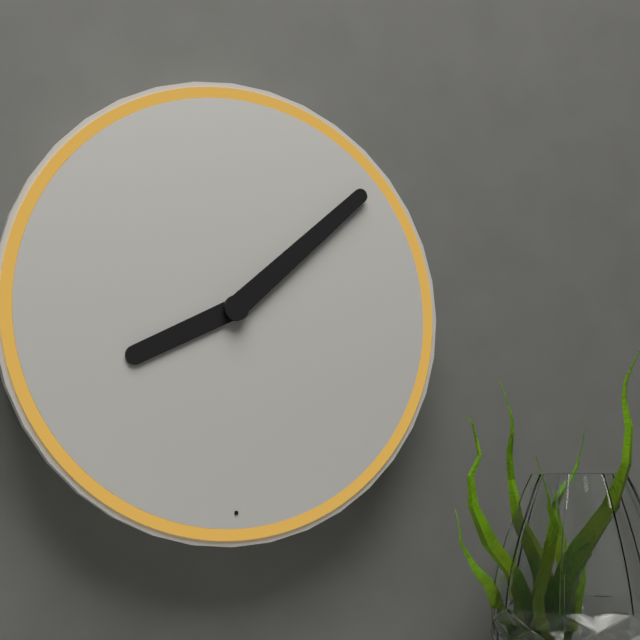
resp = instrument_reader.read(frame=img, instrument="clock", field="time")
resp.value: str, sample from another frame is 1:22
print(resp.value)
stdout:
8:08
